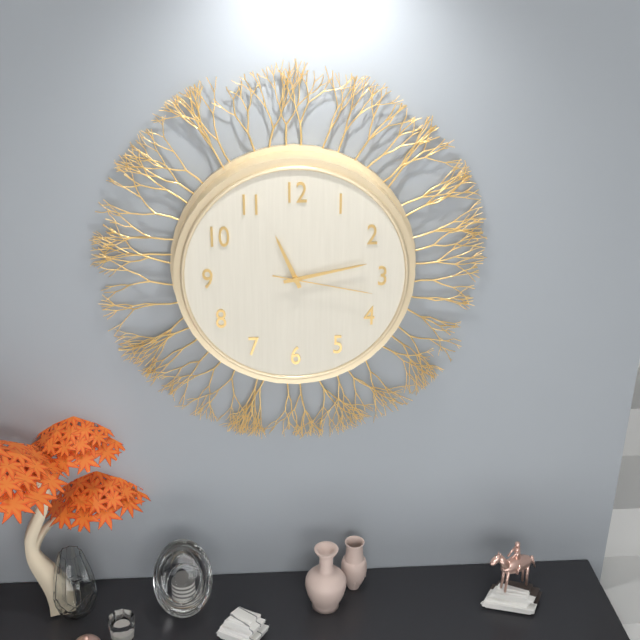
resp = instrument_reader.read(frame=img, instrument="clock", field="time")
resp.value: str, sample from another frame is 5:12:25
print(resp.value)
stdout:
11:13:17
